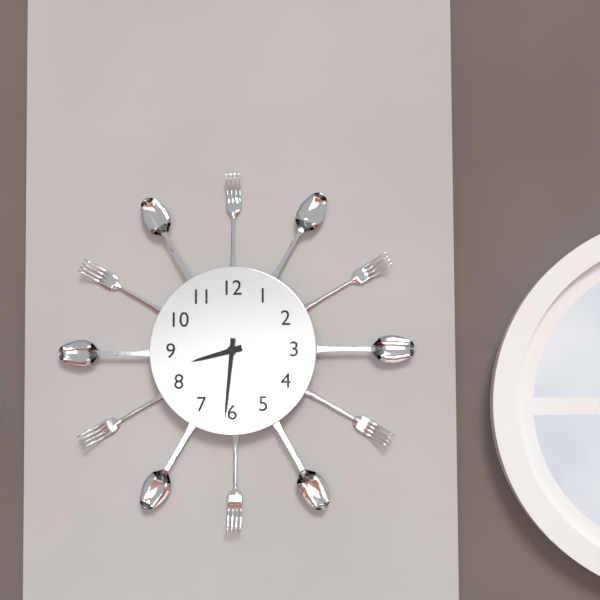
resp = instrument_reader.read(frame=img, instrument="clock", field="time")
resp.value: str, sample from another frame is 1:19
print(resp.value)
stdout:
8:31
